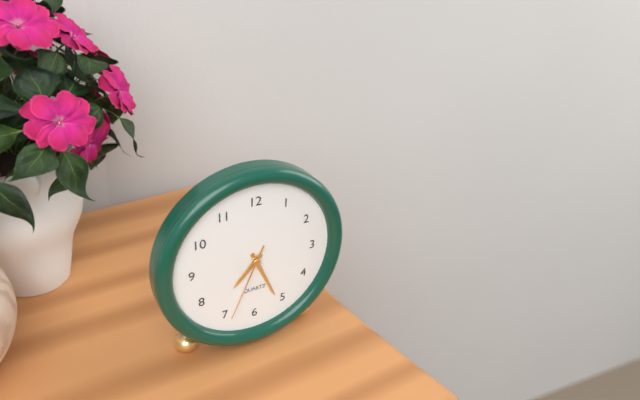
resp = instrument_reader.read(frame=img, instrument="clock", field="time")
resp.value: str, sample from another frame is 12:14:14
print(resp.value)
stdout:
7:26:34
